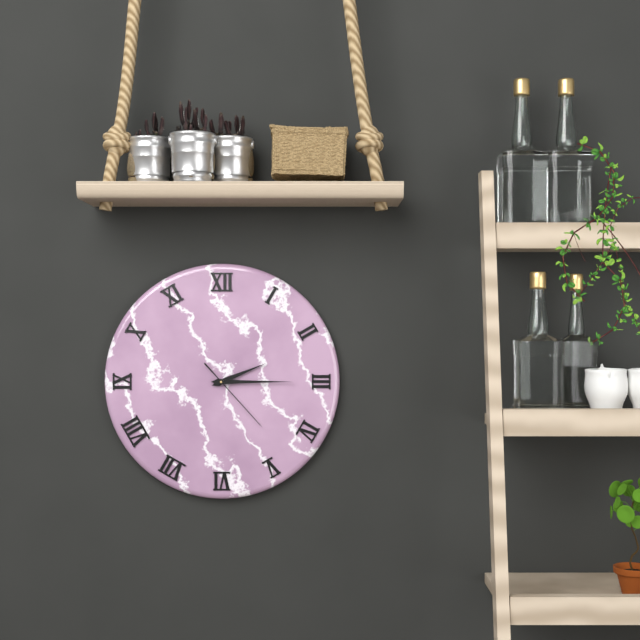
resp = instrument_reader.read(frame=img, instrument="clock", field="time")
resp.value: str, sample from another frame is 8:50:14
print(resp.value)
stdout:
2:15:23
